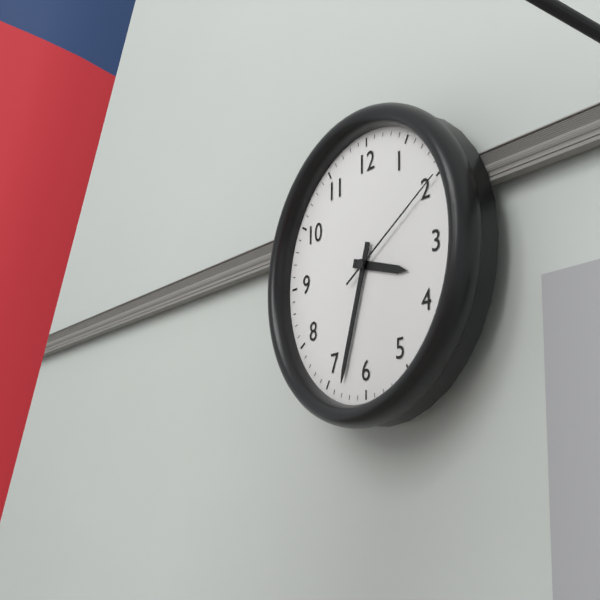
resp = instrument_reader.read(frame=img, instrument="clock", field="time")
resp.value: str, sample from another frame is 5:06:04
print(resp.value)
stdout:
3:33:10
